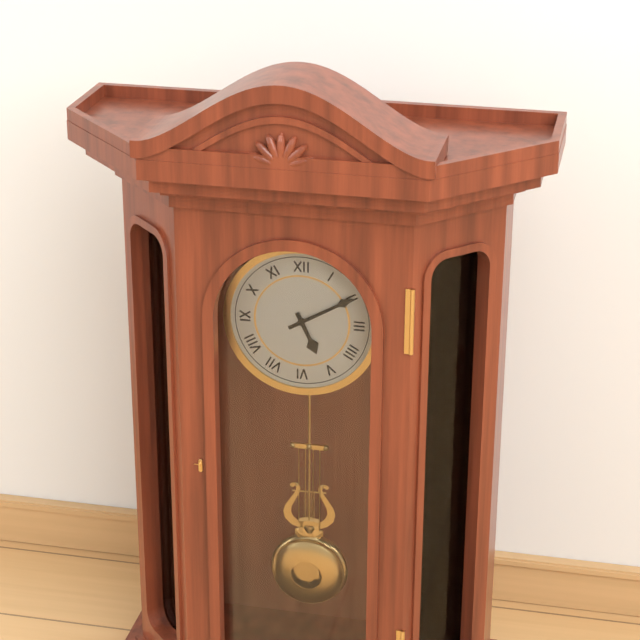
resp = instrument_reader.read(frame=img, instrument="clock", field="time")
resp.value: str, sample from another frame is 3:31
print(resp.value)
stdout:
5:10
